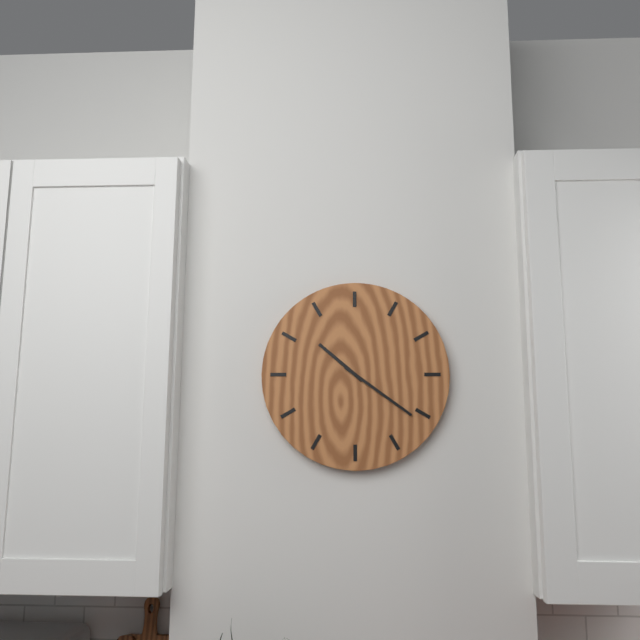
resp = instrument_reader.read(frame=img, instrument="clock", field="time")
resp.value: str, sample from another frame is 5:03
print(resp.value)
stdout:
10:21
